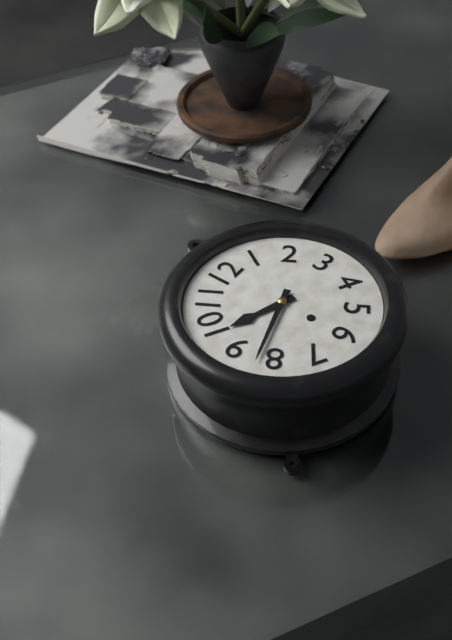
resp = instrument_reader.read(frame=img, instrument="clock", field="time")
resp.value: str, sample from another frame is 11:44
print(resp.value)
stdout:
9:42
